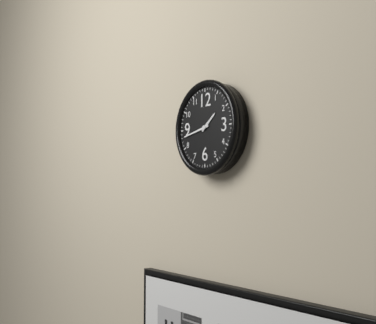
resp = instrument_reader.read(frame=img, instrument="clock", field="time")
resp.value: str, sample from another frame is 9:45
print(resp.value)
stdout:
1:43
